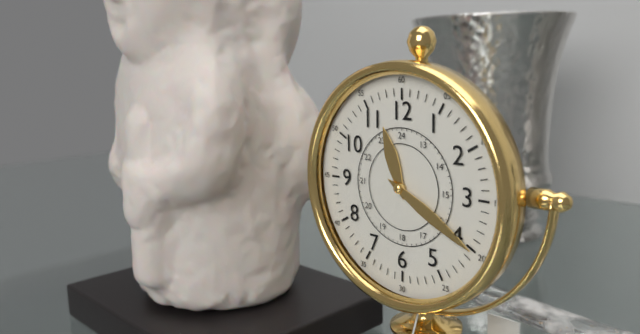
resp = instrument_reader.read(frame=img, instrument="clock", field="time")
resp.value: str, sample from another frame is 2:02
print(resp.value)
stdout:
11:20
